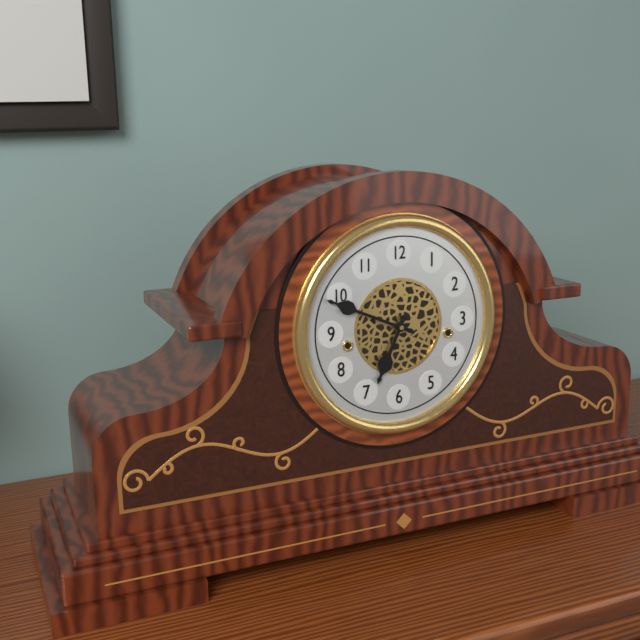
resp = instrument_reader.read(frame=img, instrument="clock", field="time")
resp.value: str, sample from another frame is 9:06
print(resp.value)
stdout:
6:49
